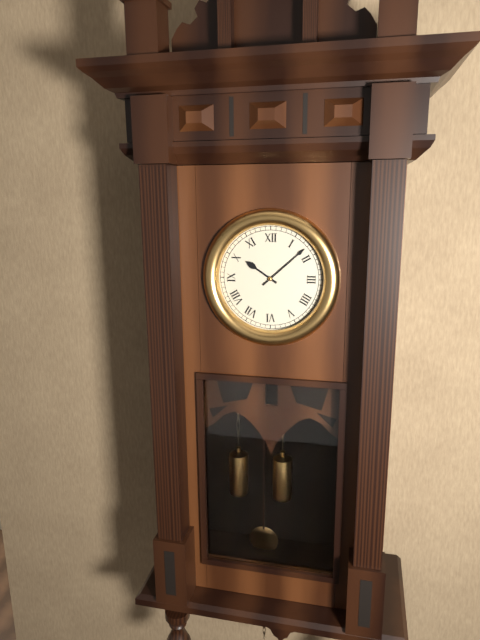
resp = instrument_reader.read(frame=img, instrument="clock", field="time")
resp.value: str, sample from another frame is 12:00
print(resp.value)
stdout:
10:08
